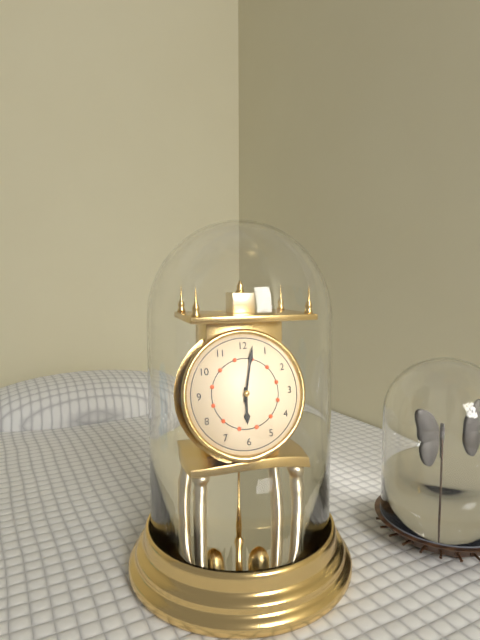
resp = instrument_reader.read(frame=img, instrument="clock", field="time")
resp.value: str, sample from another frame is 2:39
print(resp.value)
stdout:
6:02
